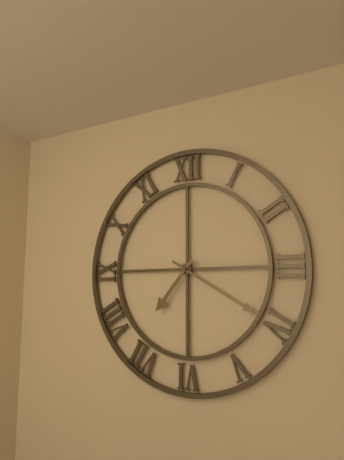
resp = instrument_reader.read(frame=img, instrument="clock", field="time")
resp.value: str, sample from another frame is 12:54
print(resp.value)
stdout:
7:20
